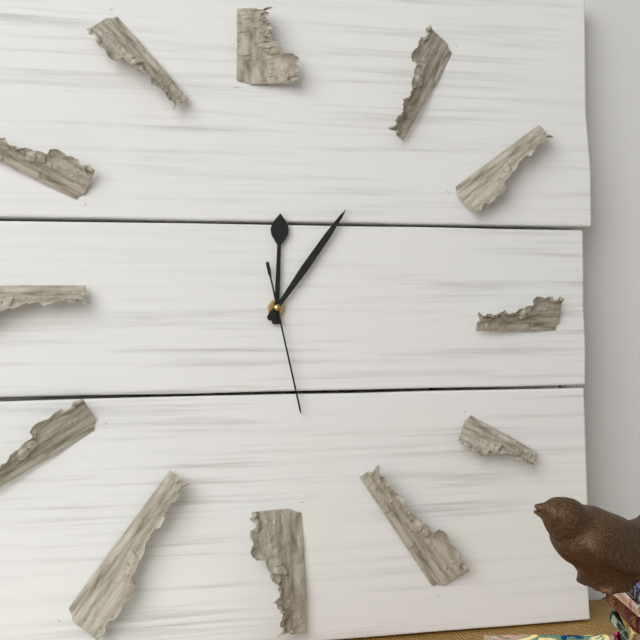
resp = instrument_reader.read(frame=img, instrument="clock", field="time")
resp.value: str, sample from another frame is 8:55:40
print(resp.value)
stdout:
12:06:28
